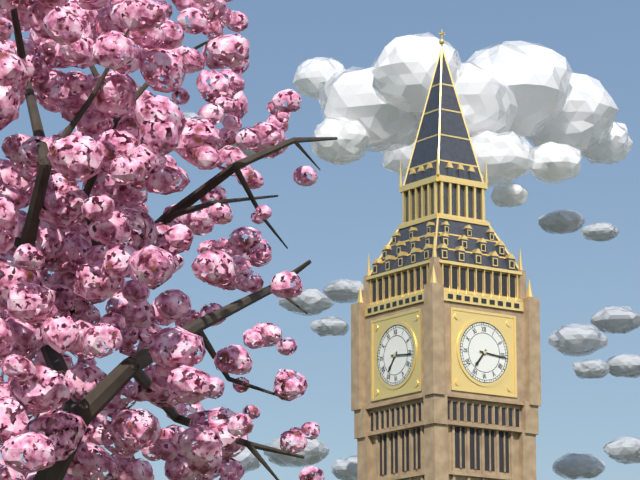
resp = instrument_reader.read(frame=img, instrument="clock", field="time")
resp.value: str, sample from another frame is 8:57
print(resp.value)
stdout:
7:16
